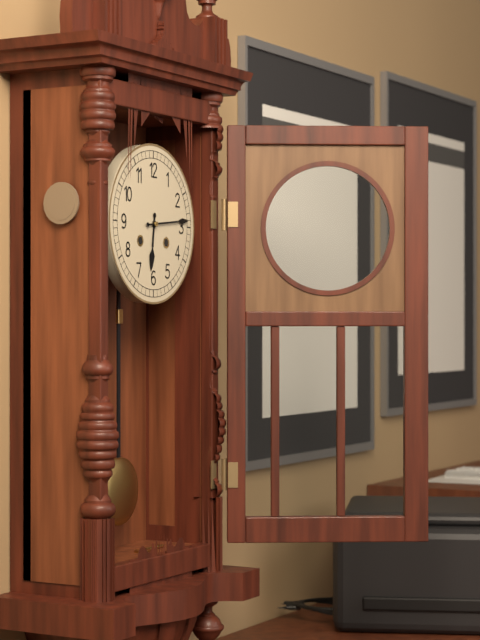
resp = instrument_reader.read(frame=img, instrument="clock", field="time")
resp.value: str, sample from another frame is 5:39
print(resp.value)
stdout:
6:14
